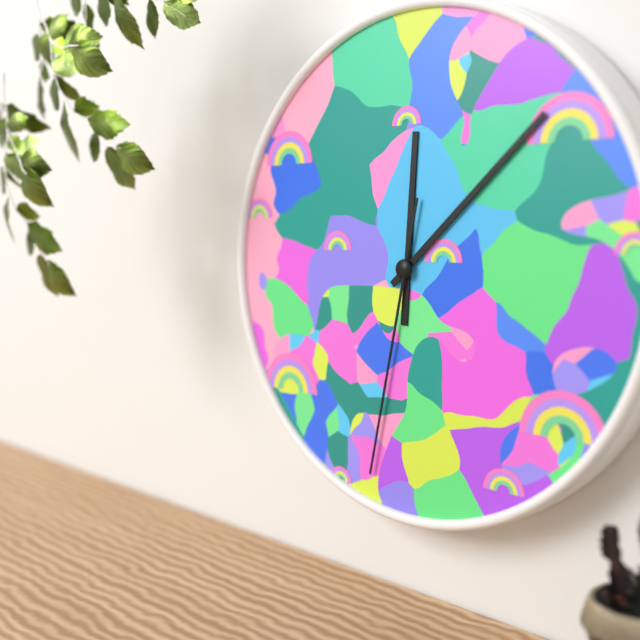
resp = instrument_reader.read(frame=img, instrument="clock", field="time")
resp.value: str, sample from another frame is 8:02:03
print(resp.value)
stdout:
12:08:32
